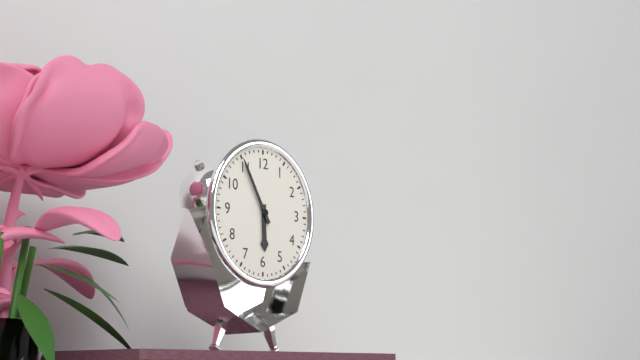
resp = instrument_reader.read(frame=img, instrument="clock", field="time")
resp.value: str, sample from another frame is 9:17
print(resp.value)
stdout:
5:55
